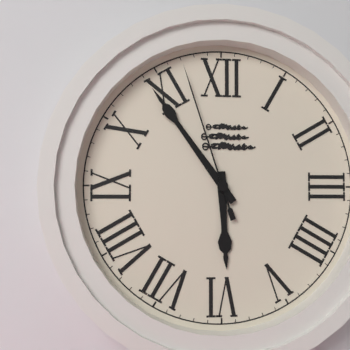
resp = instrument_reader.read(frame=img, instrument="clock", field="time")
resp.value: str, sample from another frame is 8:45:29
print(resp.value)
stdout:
5:54:57
